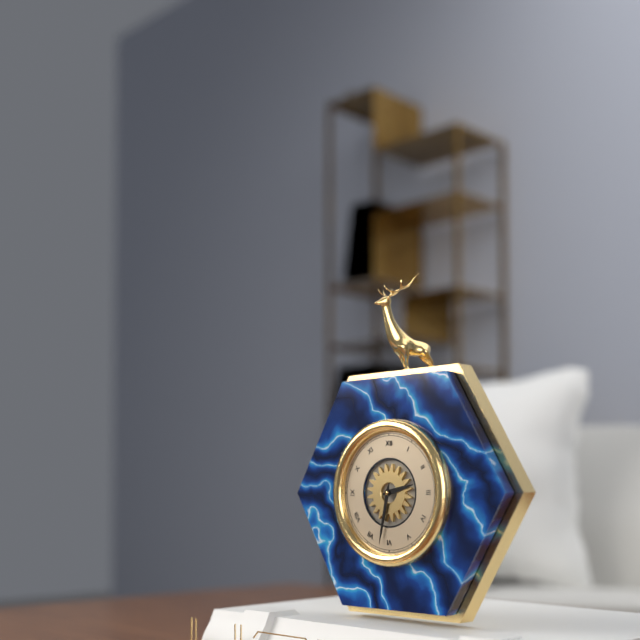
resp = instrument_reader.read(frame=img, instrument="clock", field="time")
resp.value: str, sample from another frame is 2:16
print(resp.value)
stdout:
2:32
